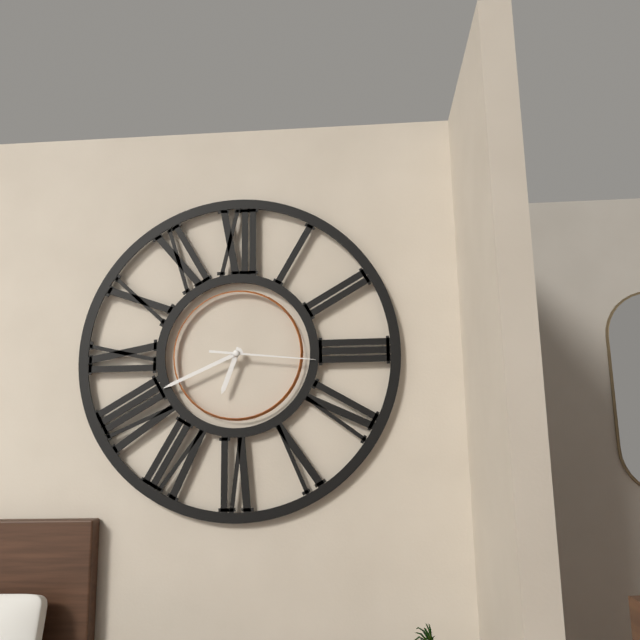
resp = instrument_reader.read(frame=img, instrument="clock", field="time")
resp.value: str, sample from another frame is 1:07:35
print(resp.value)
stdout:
6:41:16
